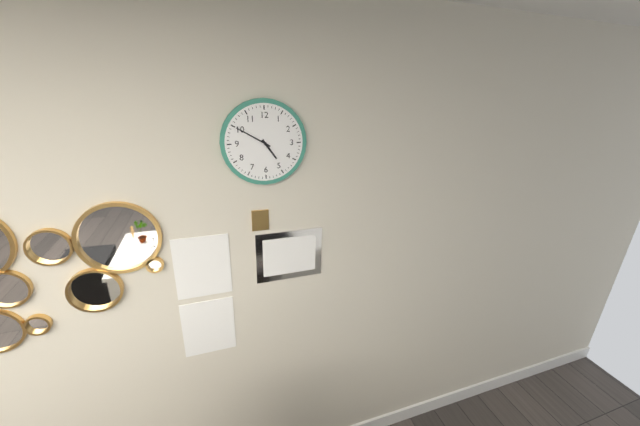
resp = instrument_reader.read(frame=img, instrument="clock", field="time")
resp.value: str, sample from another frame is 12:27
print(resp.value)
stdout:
4:50
